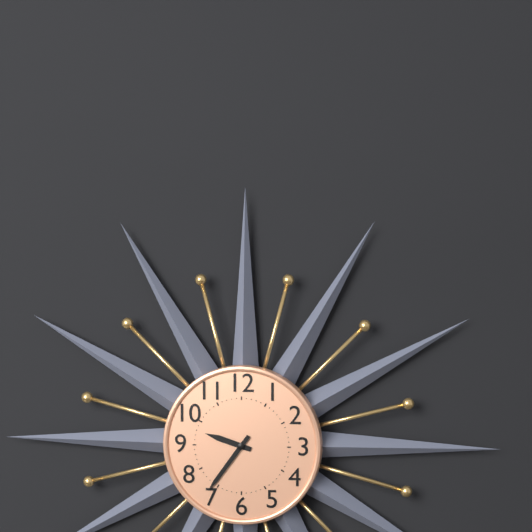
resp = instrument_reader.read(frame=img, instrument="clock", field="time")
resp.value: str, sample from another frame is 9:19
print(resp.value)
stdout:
9:36
